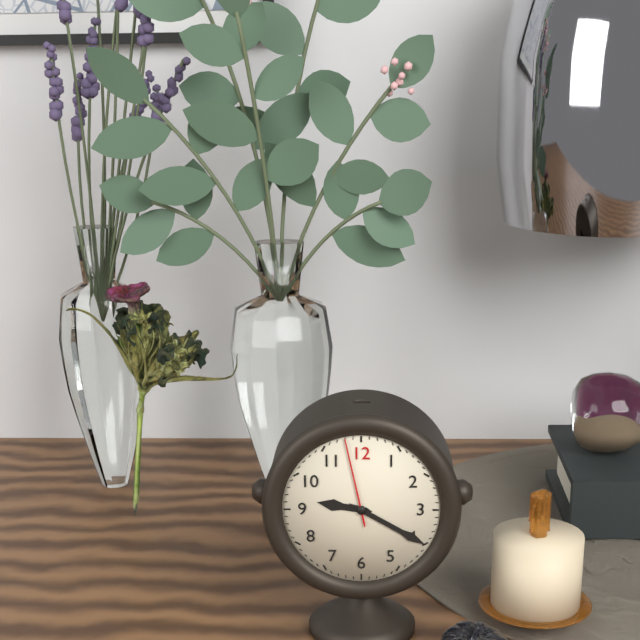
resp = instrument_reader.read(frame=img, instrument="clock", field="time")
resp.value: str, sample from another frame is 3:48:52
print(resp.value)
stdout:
9:20:58
